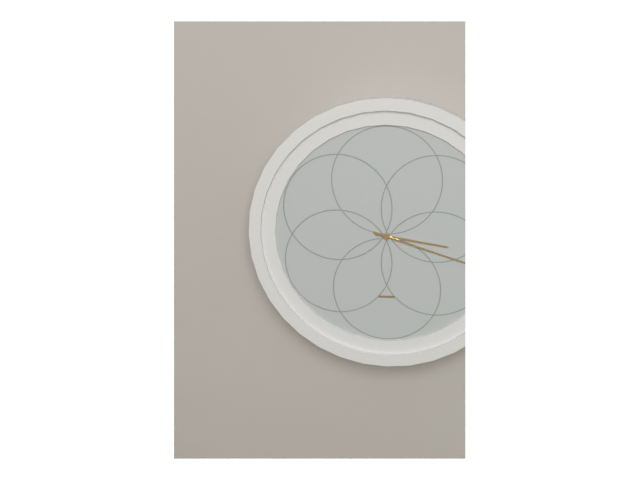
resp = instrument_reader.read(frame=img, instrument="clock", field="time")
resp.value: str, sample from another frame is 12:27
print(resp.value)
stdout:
3:18
